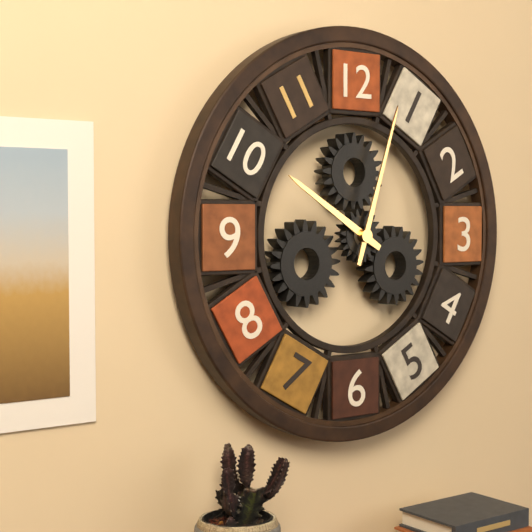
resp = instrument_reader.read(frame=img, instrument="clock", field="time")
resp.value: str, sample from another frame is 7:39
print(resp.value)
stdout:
10:03
